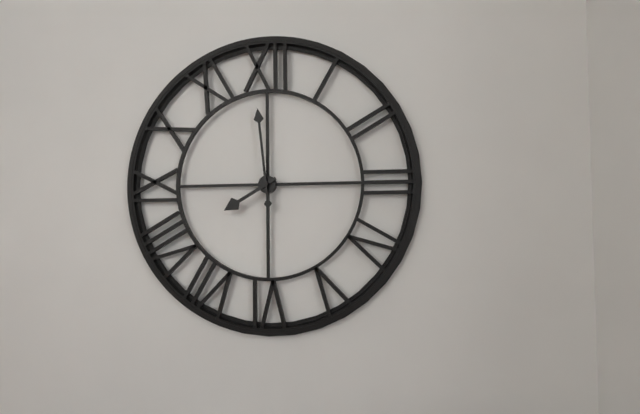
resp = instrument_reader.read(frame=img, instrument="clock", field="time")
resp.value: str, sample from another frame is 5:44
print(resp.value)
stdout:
7:59
